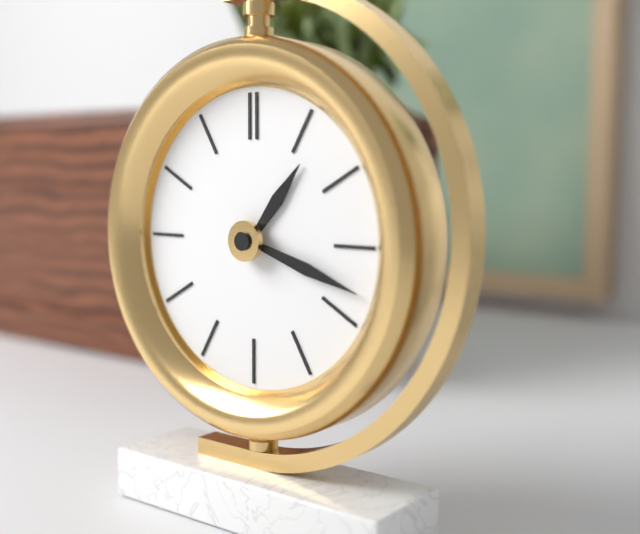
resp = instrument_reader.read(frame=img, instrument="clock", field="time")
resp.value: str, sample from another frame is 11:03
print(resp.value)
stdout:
1:18
